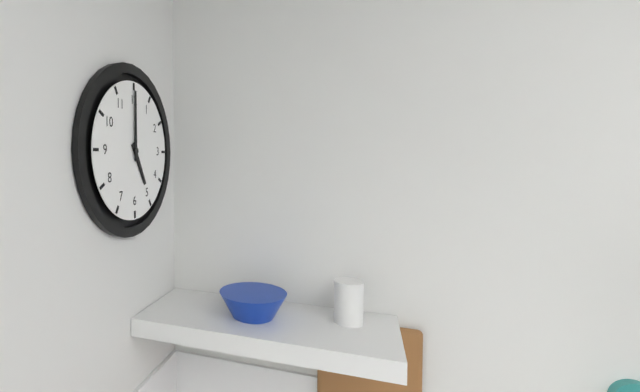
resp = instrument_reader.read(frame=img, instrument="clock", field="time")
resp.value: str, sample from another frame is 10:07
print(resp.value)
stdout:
5:00
